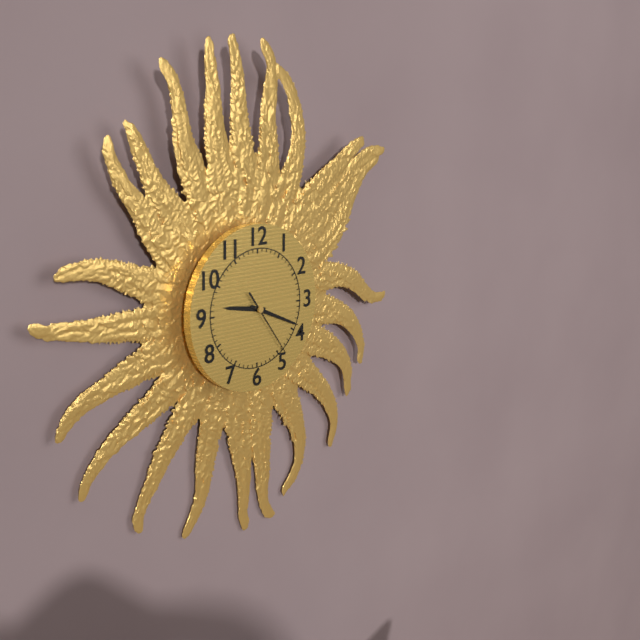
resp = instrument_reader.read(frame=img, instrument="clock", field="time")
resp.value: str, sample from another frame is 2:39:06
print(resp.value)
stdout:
9:19:24
